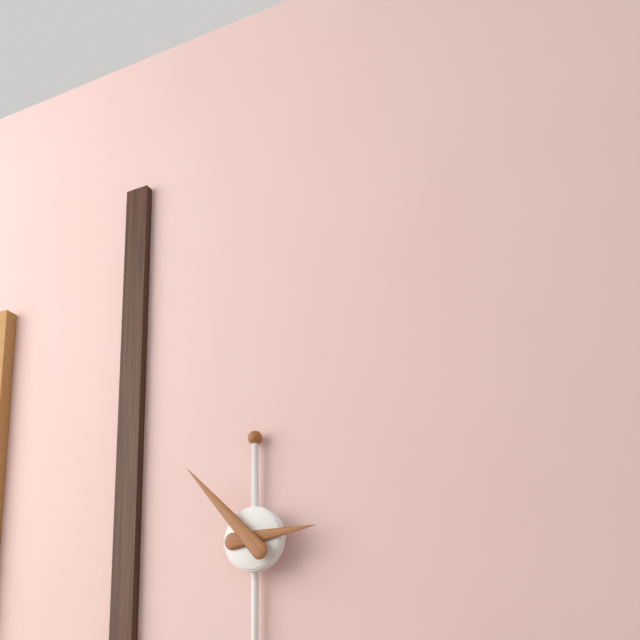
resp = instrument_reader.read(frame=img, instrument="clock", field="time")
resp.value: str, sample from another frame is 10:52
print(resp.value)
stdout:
2:53
